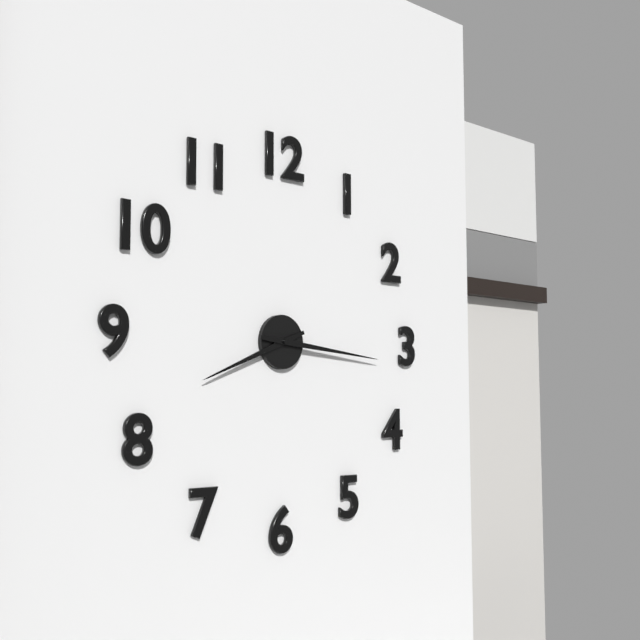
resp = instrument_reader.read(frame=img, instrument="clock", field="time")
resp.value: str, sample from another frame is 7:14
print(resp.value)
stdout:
8:16
